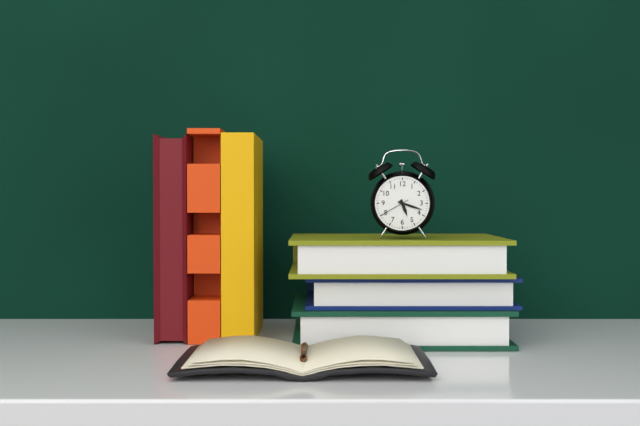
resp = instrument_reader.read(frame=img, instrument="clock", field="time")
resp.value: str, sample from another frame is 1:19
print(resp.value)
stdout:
5:18
